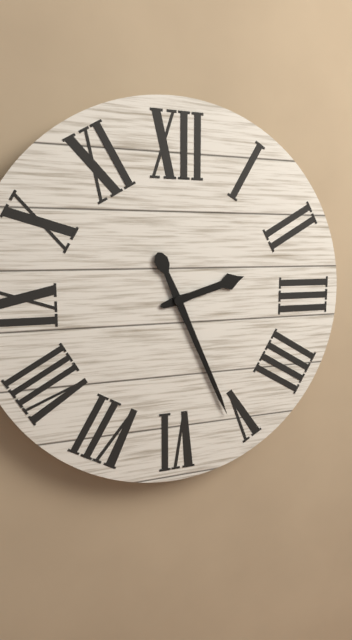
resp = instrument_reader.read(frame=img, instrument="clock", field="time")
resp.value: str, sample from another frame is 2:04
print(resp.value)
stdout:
2:26
